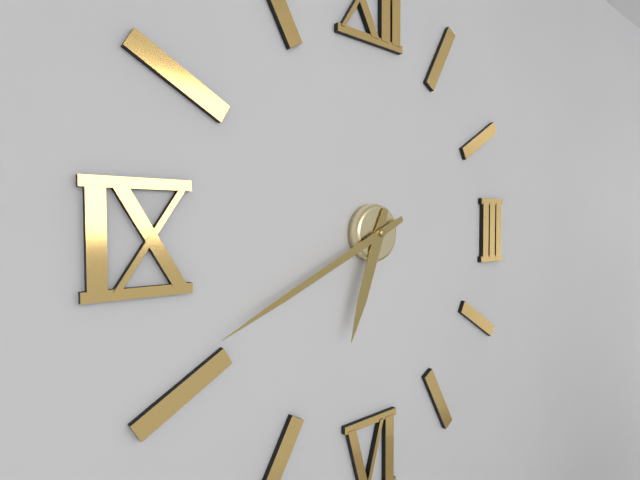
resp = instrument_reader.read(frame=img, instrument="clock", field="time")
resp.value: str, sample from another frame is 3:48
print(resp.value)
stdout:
6:41
